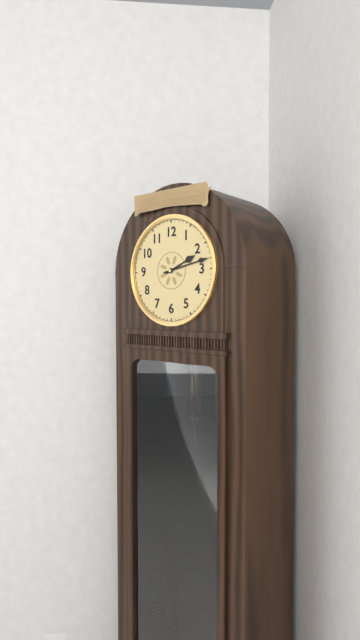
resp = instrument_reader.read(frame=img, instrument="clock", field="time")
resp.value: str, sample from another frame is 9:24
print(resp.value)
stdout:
2:13
